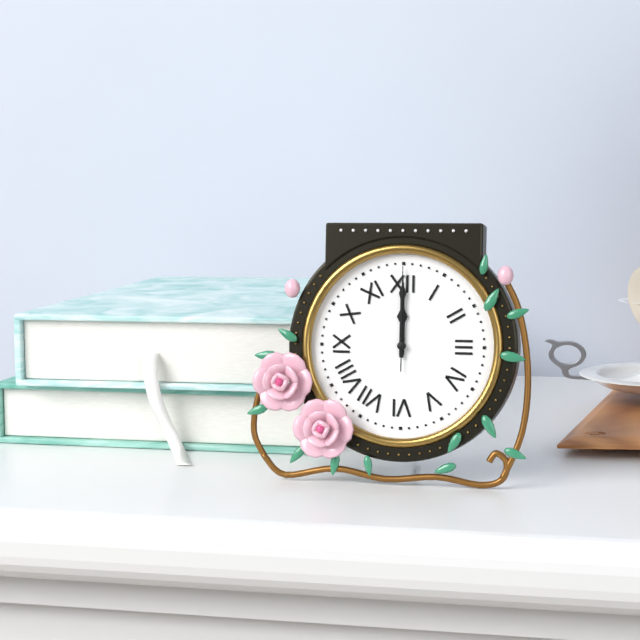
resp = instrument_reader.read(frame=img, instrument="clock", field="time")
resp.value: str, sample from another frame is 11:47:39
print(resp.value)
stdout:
12:00:00
